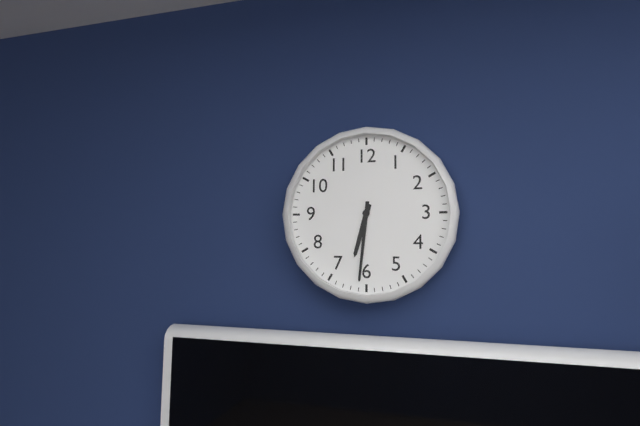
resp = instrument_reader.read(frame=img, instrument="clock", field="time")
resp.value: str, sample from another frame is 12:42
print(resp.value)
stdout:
6:31
